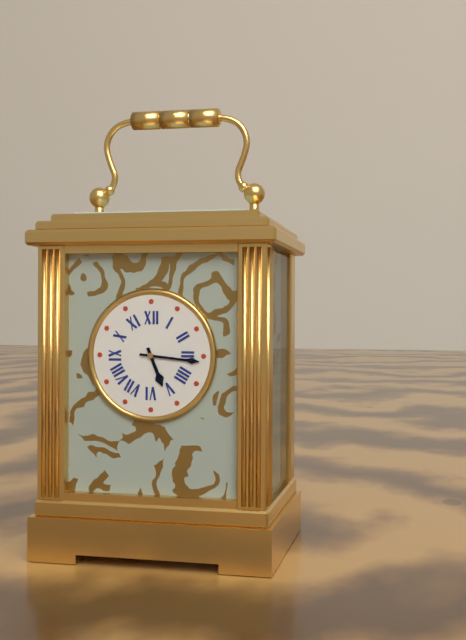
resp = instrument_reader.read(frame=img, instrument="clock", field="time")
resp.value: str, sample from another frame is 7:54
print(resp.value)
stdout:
5:16
